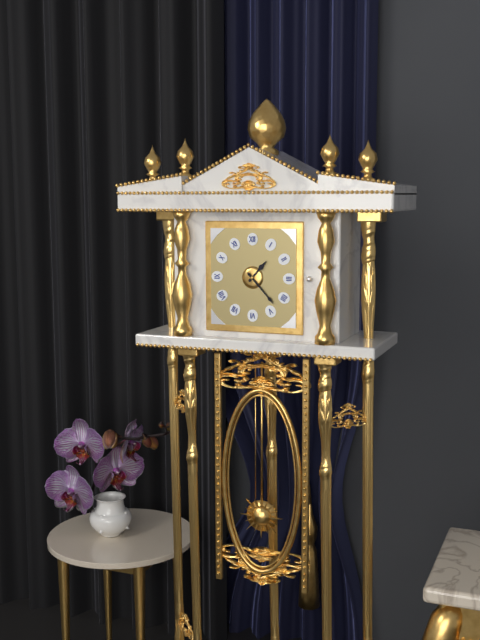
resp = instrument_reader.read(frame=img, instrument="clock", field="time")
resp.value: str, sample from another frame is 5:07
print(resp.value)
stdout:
1:23
